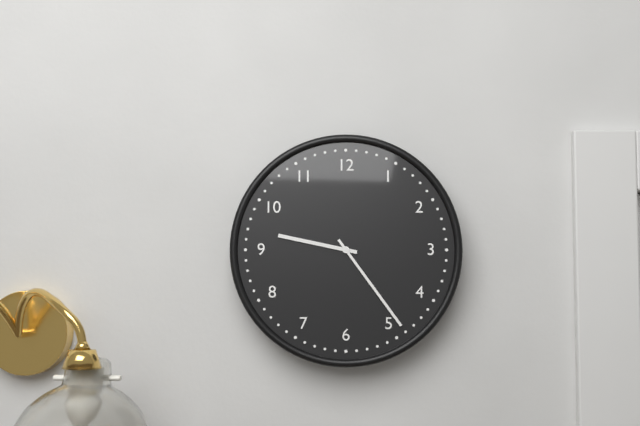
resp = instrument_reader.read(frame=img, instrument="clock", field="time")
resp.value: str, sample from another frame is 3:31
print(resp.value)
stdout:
9:24
